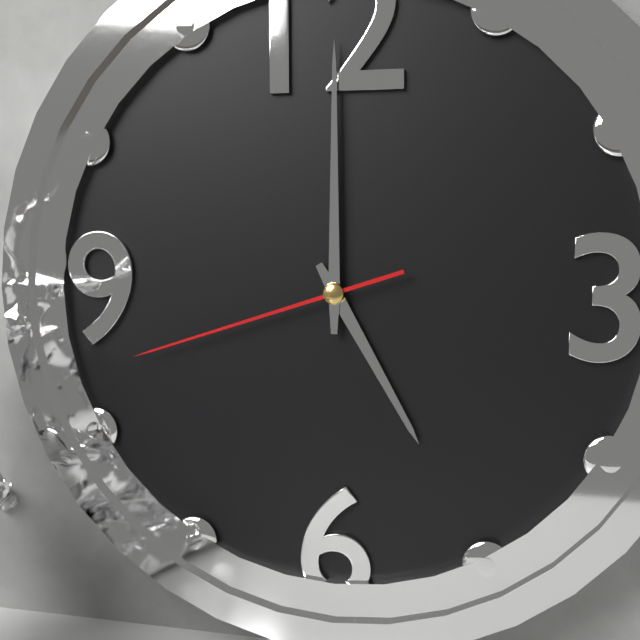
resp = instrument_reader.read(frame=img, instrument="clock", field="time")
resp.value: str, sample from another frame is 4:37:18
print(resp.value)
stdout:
5:00:42
